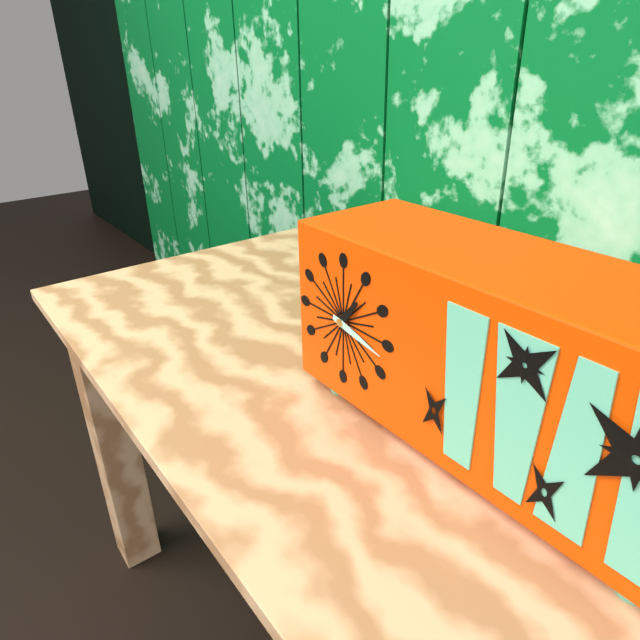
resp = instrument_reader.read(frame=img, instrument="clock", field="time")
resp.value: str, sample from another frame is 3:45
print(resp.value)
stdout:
1:17
